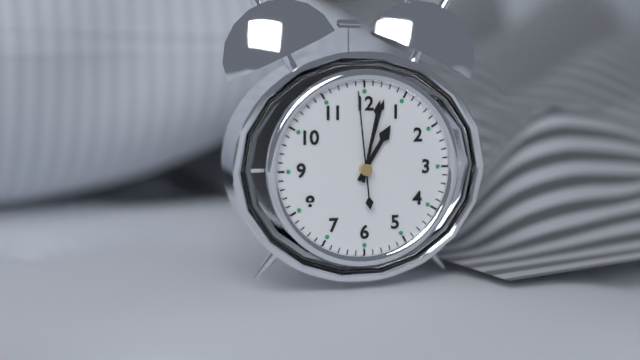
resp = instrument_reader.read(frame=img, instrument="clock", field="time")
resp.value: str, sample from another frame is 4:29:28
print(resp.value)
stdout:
1:02:59
